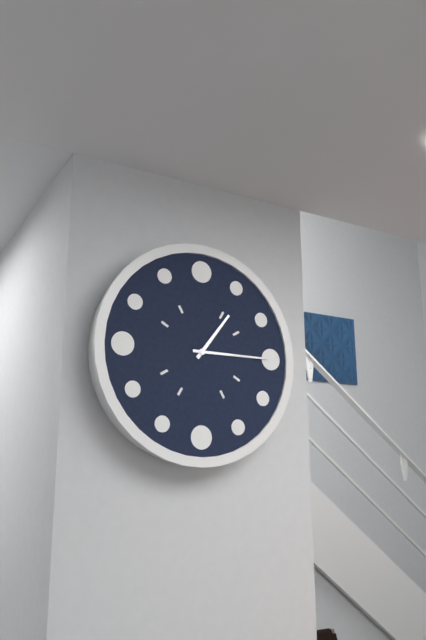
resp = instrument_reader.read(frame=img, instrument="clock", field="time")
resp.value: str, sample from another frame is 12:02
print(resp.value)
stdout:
1:15
